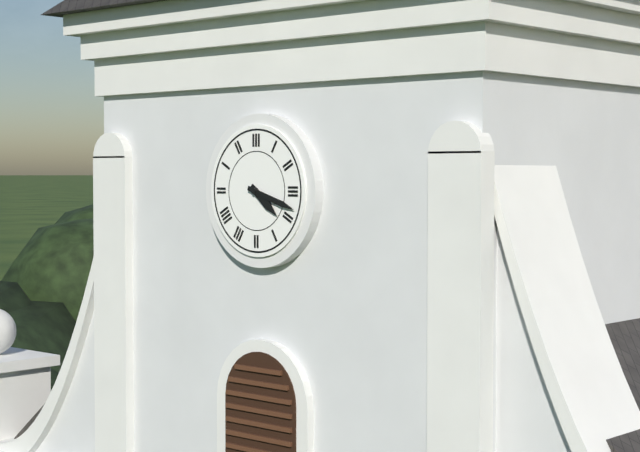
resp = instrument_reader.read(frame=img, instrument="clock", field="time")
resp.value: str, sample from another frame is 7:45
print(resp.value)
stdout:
4:18
